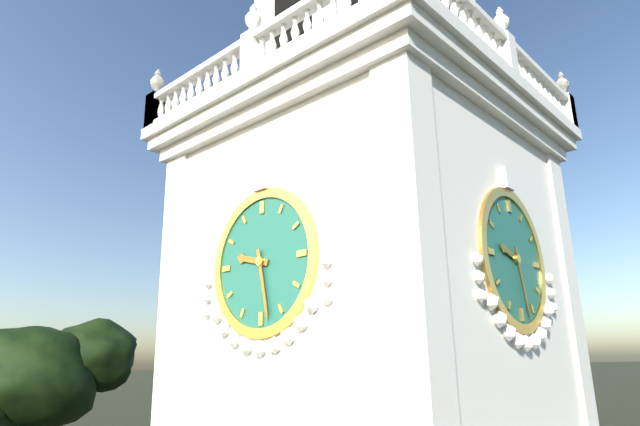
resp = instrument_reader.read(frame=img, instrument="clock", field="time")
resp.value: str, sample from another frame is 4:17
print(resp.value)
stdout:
9:28
